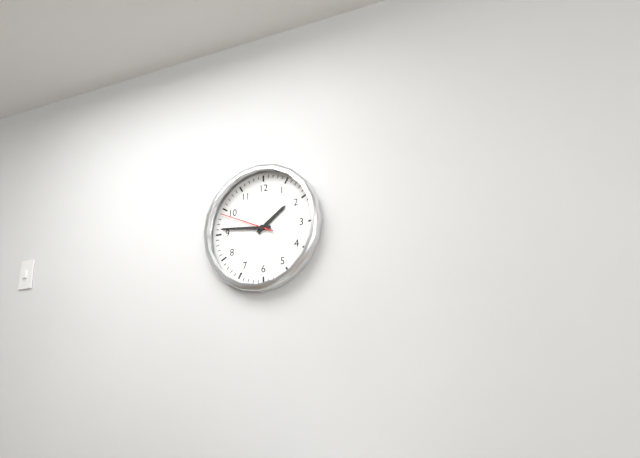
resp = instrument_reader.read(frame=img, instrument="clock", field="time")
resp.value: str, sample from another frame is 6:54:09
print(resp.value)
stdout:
1:46:49
